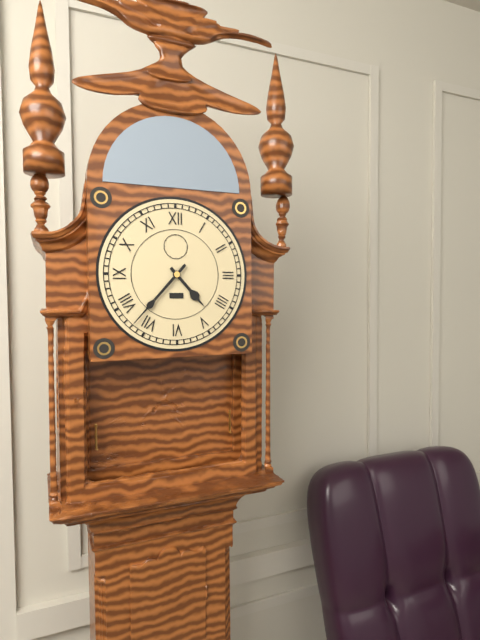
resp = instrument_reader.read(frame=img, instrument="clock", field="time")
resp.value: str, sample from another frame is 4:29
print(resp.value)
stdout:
4:37
